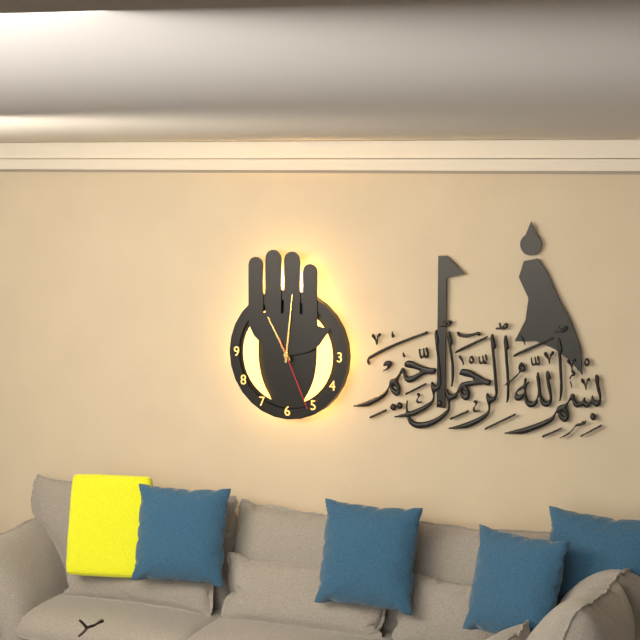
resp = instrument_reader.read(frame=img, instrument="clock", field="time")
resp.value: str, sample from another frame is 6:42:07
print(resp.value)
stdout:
11:01:26
